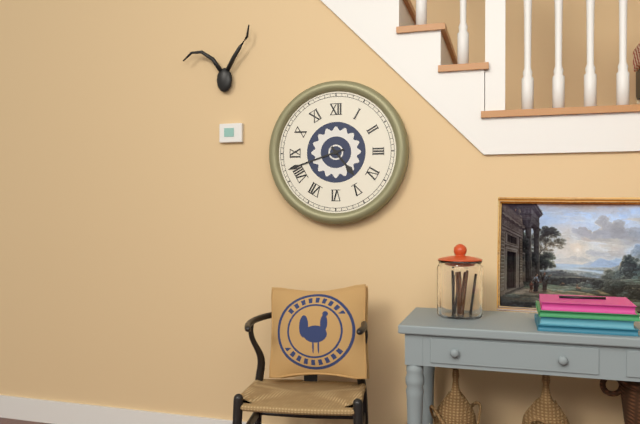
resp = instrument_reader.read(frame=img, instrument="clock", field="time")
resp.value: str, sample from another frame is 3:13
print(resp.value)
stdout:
4:42
